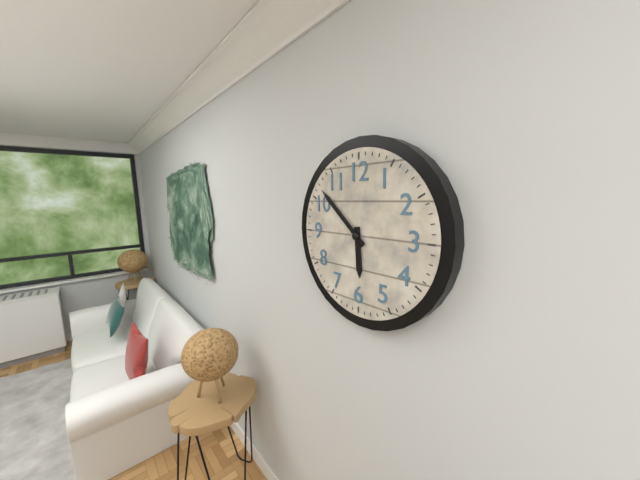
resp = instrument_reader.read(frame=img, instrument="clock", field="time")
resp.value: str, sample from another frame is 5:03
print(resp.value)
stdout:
5:52
